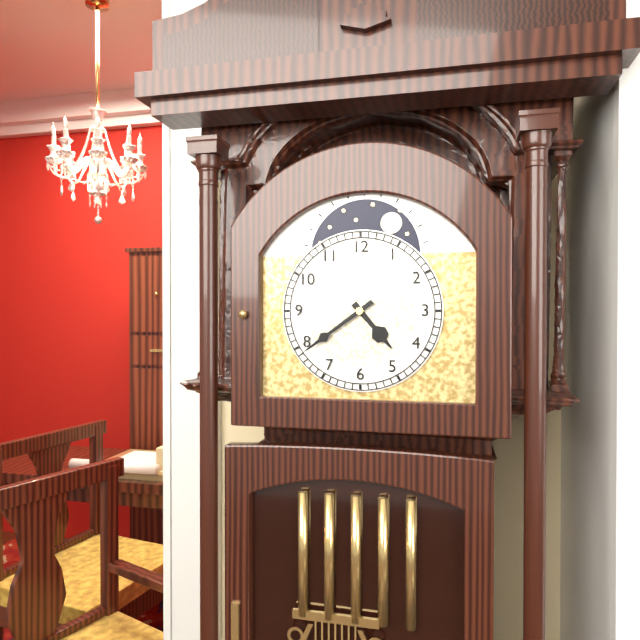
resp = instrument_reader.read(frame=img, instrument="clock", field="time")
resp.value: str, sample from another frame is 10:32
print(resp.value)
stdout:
4:39
